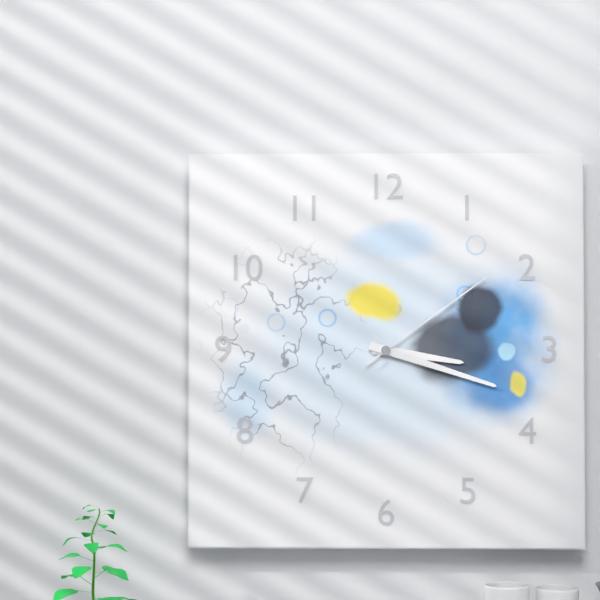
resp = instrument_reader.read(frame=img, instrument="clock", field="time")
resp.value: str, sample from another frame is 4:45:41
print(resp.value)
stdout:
3:18:09
